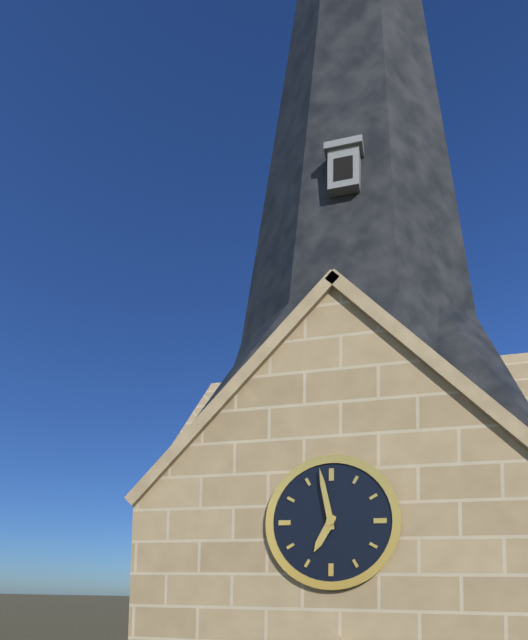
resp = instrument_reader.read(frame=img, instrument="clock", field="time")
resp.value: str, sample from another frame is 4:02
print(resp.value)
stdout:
6:58
